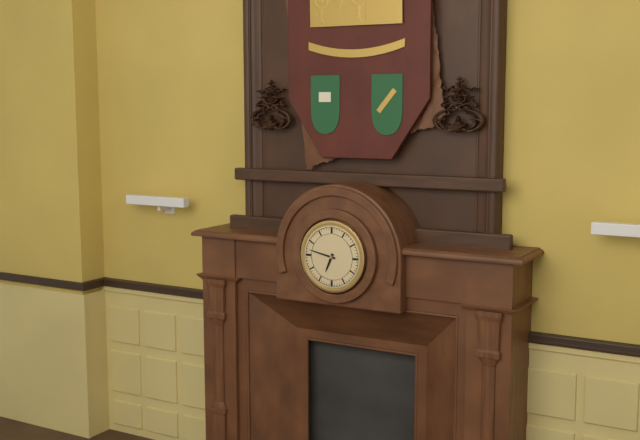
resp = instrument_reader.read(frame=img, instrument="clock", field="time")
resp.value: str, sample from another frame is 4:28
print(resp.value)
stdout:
6:47
